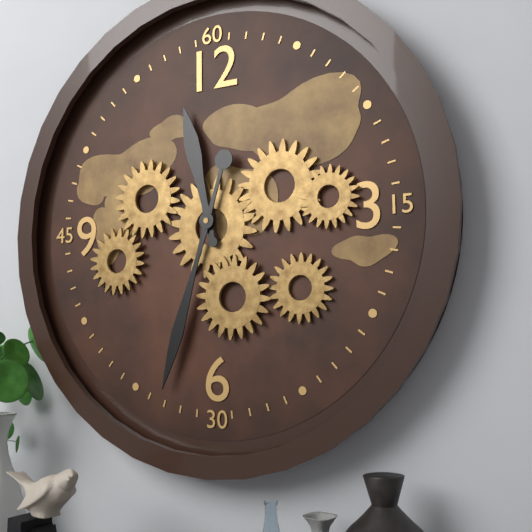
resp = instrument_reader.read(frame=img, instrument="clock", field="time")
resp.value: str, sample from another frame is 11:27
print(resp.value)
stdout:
11:33
